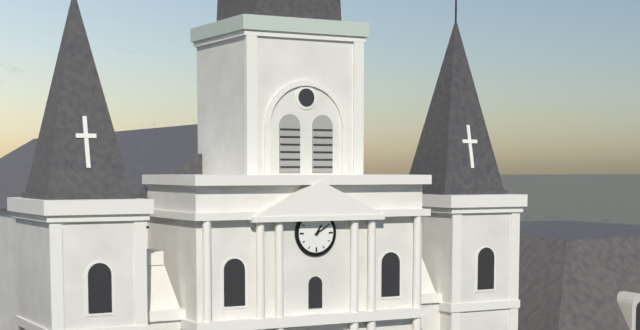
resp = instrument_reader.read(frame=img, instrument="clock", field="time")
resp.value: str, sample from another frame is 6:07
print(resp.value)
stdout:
1:10
